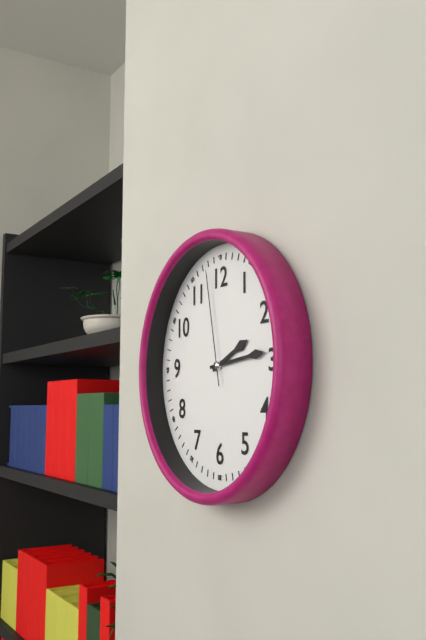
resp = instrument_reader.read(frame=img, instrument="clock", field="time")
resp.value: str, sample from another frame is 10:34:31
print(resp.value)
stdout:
2:14:58
